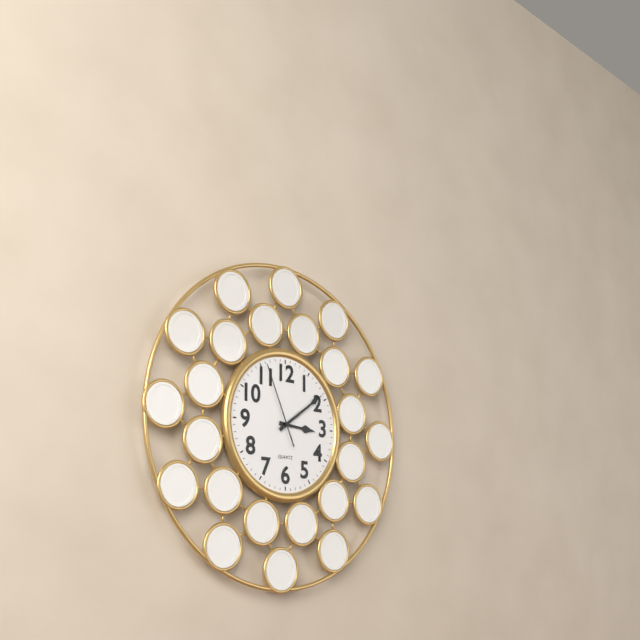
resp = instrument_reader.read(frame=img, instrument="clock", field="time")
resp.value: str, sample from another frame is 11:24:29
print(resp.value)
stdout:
3:09:56
